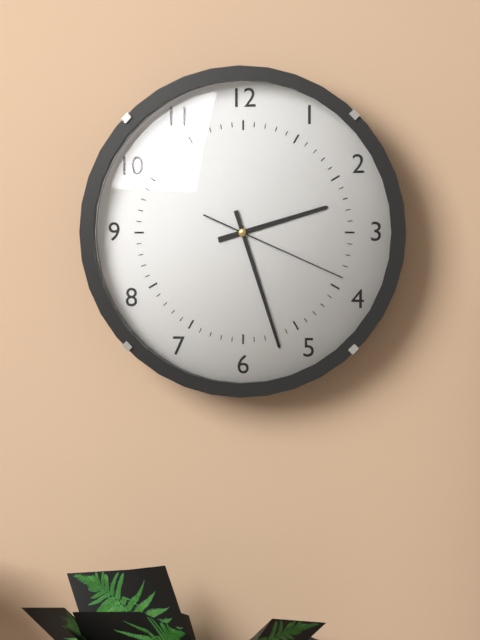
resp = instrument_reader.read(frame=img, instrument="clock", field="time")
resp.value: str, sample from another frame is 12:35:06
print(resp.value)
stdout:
2:27:19
